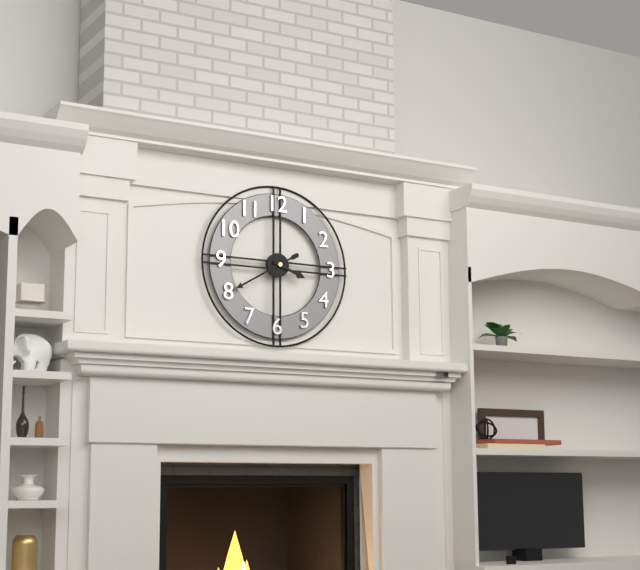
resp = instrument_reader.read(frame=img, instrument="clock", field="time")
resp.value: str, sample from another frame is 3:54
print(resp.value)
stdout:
3:40
